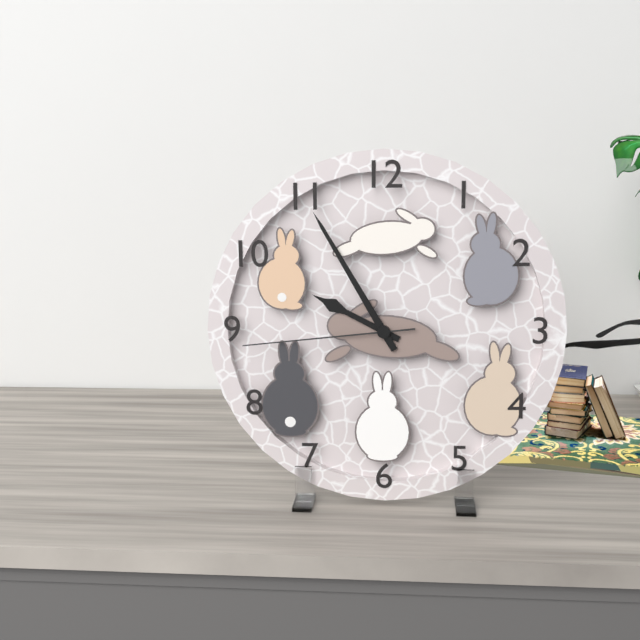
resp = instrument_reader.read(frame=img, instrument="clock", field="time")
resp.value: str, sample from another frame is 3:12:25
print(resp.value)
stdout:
9:55:44
